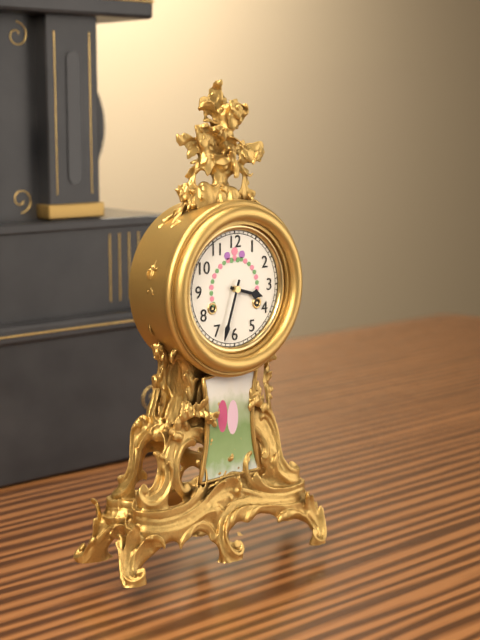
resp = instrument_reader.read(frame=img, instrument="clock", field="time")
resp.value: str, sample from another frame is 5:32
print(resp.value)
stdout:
3:33
